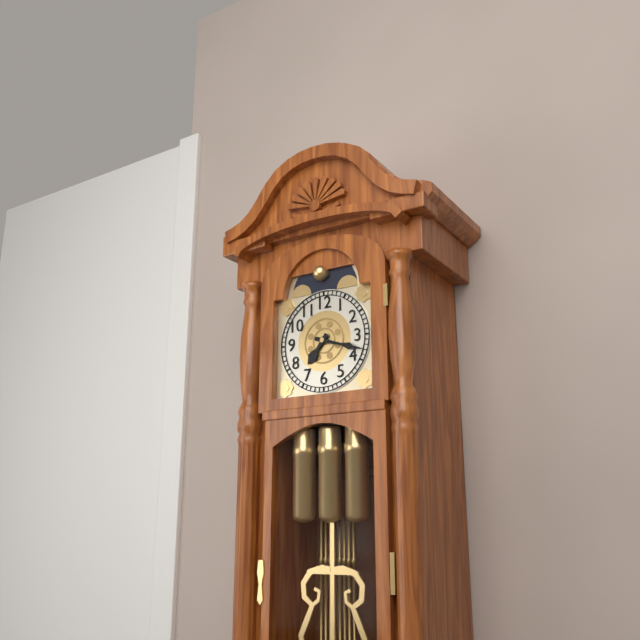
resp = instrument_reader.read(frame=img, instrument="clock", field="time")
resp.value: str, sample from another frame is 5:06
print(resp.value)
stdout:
7:18
